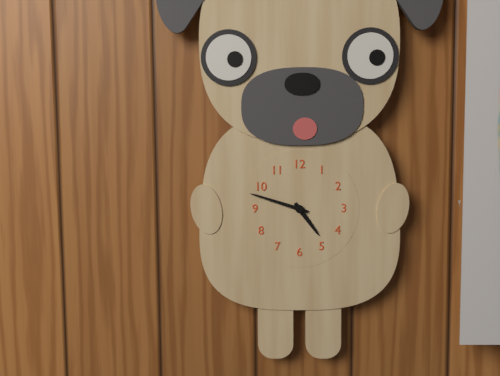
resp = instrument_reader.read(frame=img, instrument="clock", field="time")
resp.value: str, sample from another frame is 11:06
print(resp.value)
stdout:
4:48
